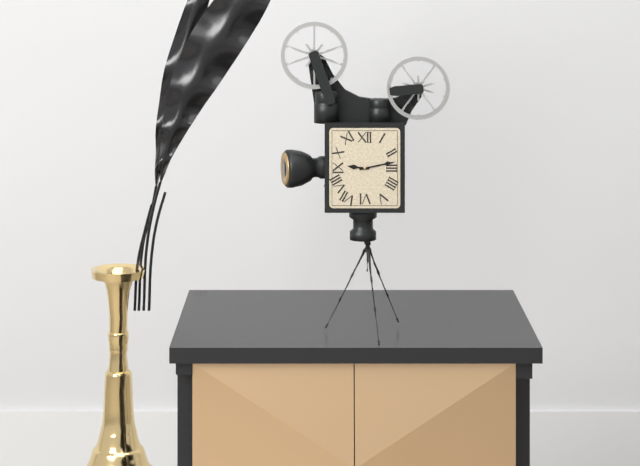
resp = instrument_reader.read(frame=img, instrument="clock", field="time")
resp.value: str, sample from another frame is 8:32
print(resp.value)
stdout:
9:13
